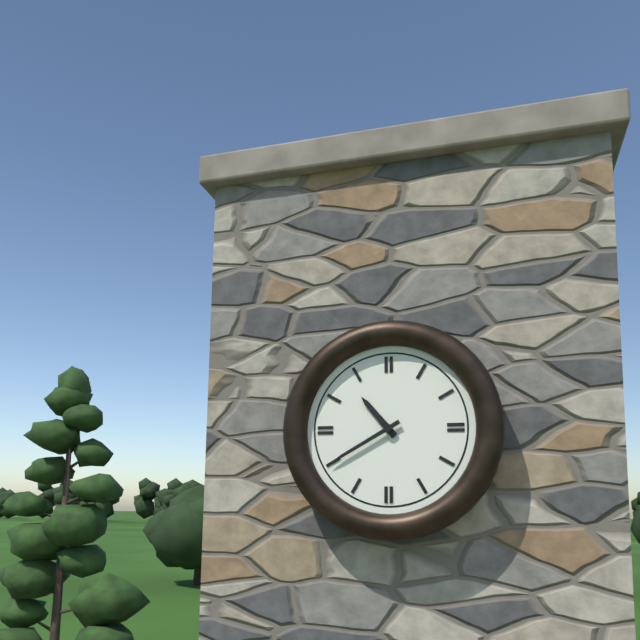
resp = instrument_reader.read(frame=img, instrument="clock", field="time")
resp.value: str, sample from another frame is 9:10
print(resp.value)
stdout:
10:40
